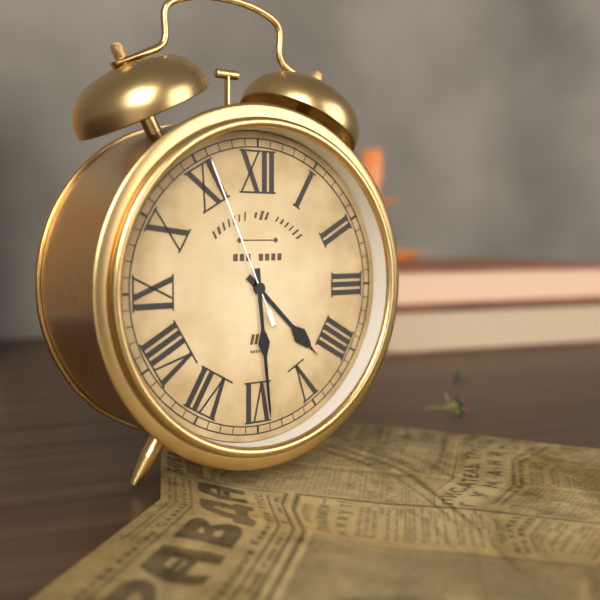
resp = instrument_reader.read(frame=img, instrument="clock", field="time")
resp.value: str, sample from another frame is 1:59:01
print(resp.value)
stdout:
4:29:56
